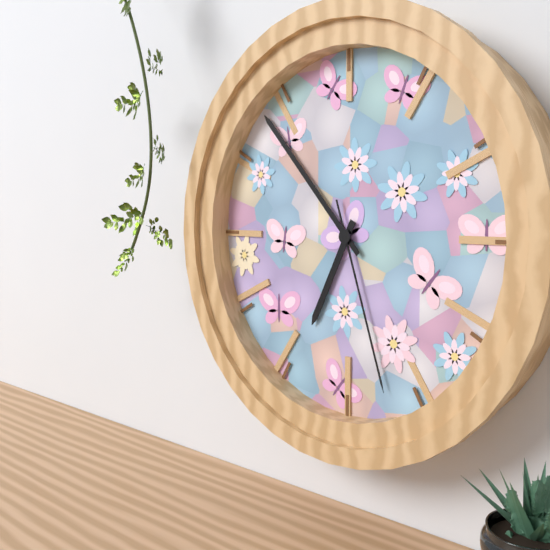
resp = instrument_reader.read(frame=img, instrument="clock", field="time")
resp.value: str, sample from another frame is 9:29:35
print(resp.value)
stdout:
6:53:27
